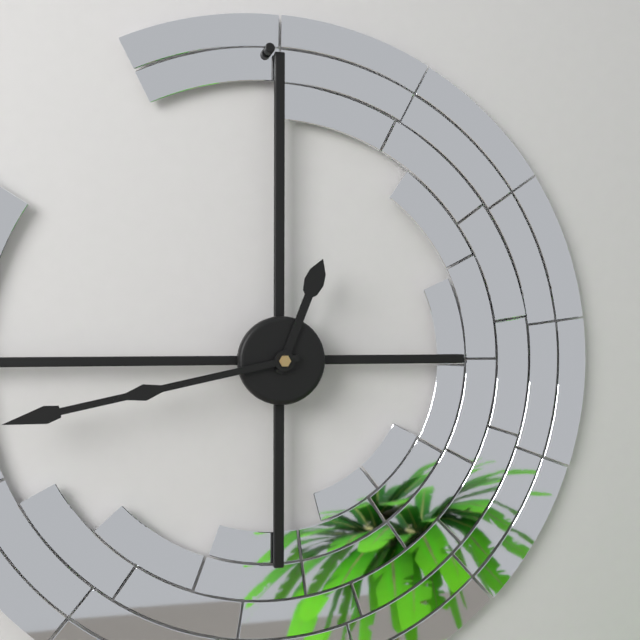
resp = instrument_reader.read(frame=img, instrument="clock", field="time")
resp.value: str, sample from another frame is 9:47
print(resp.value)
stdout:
12:43
